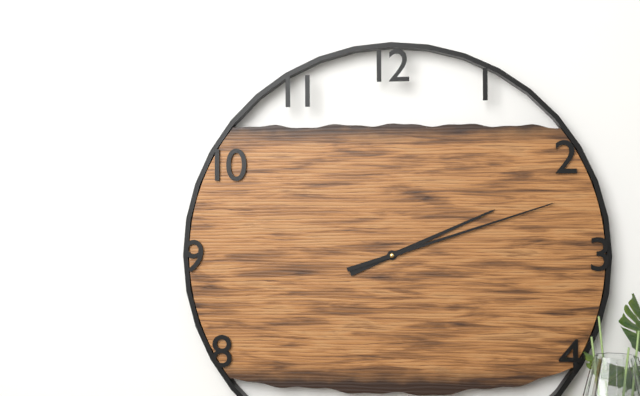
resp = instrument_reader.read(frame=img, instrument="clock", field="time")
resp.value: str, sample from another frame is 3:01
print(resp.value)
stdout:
2:12
